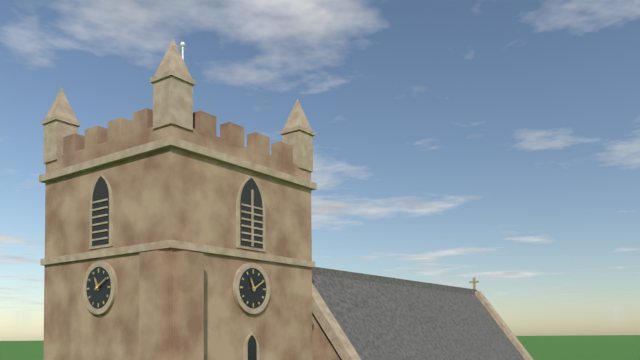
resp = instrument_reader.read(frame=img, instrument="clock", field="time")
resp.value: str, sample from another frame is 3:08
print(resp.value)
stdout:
11:10
